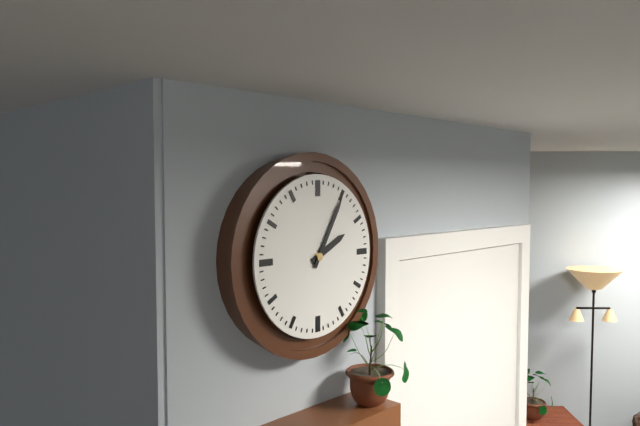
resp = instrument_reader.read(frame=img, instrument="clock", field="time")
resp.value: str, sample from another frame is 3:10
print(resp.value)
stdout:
2:05
